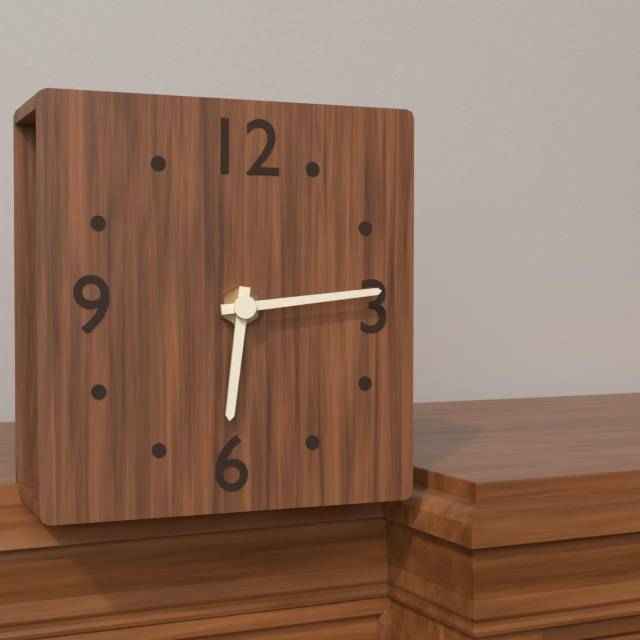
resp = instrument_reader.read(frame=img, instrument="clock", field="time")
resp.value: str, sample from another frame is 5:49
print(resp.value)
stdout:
6:14
